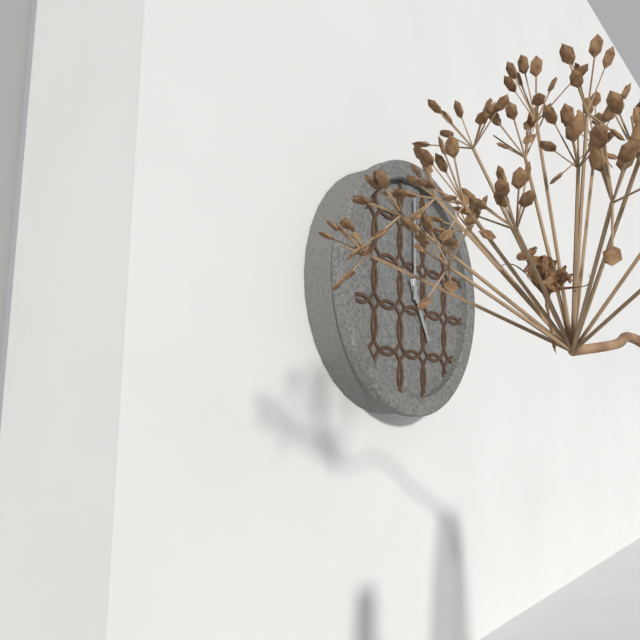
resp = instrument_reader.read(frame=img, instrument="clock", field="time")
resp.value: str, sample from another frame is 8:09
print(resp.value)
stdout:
5:00
